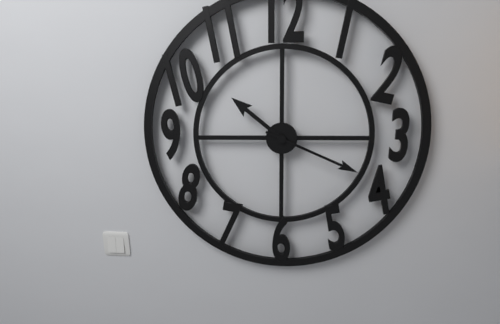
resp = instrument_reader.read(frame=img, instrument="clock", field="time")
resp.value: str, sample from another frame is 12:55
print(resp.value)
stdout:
10:19
